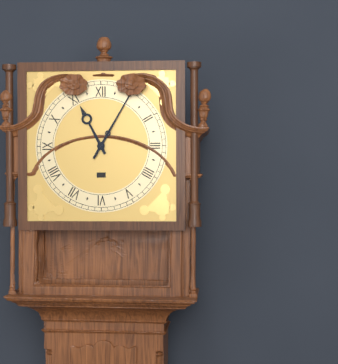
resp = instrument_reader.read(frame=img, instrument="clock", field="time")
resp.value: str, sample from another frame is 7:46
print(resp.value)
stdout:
11:05
